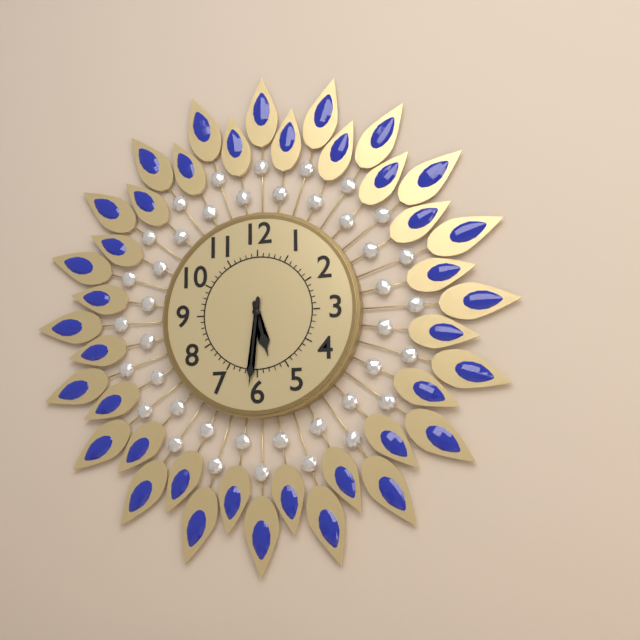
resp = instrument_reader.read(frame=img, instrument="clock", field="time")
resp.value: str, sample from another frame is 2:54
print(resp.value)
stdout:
5:31
